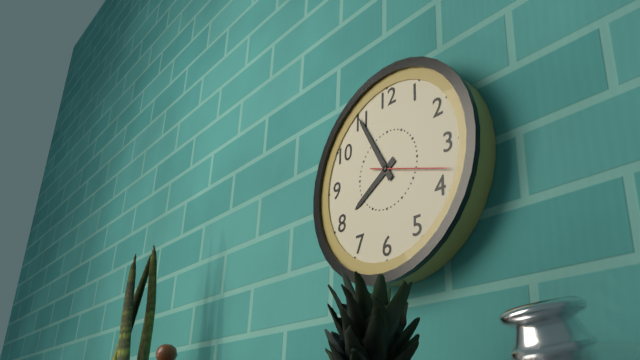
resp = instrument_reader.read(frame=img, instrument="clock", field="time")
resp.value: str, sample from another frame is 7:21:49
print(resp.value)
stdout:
7:55:18
